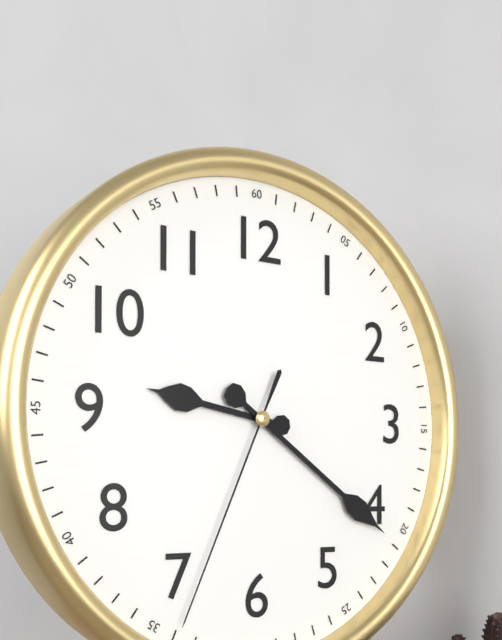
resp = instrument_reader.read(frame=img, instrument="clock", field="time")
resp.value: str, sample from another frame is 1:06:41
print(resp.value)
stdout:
9:21:34
